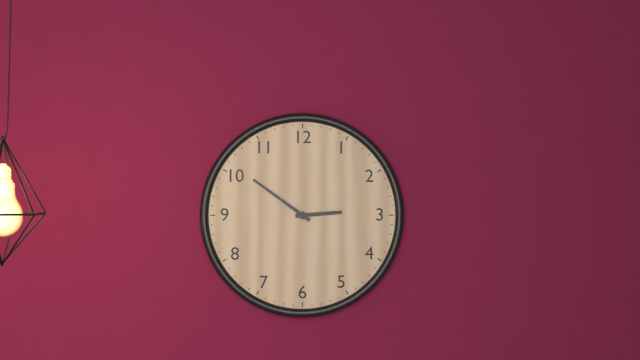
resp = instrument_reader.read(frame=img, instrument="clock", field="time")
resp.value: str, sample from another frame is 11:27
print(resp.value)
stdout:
2:51
